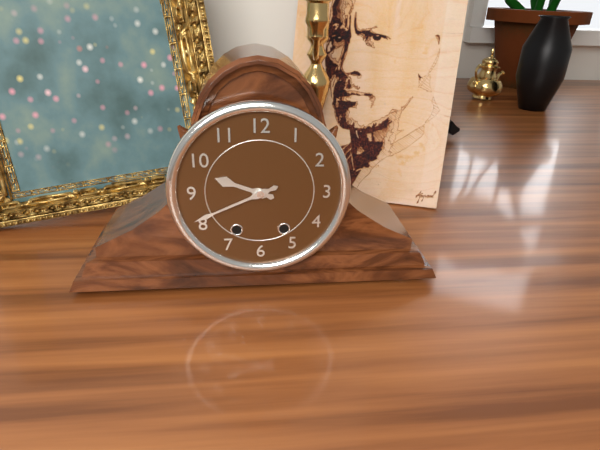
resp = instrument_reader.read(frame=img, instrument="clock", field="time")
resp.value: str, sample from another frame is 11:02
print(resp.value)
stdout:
9:41
